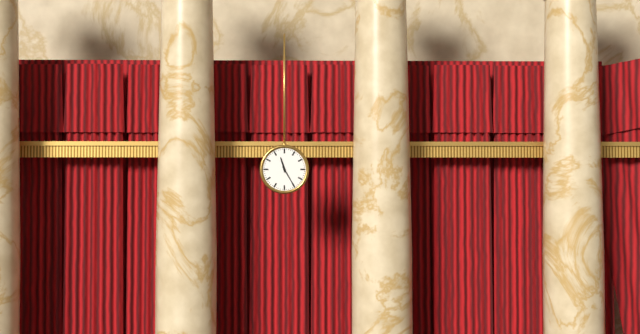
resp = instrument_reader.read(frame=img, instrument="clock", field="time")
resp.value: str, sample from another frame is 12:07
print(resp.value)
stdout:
11:25
